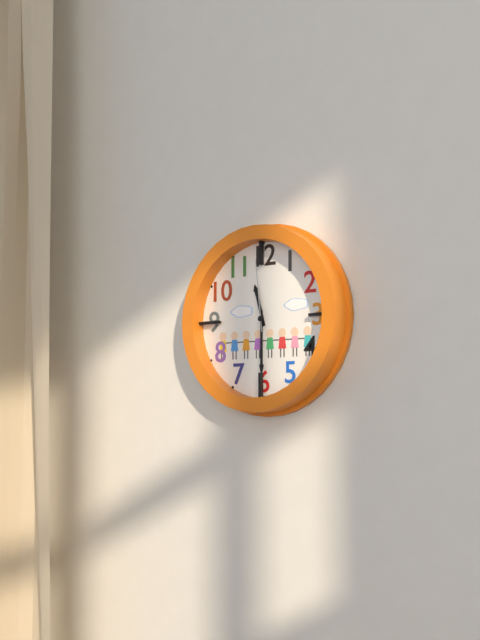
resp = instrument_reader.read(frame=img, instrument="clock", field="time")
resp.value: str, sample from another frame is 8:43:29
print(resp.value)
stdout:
11:30:59
